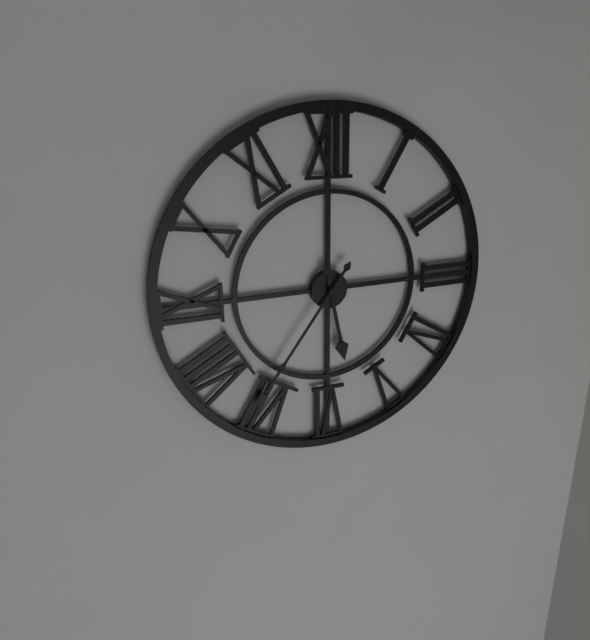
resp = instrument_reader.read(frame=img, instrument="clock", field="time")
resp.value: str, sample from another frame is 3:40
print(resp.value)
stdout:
5:36
